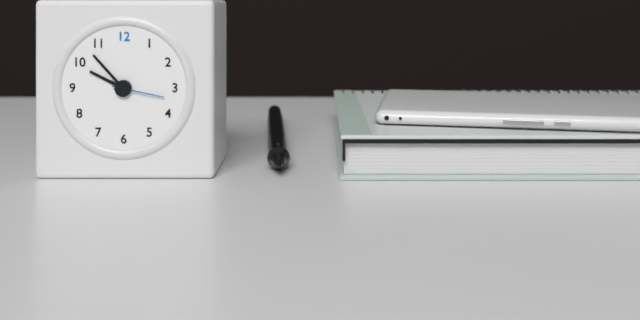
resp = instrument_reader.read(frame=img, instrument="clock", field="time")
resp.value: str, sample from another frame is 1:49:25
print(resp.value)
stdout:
9:53:17
